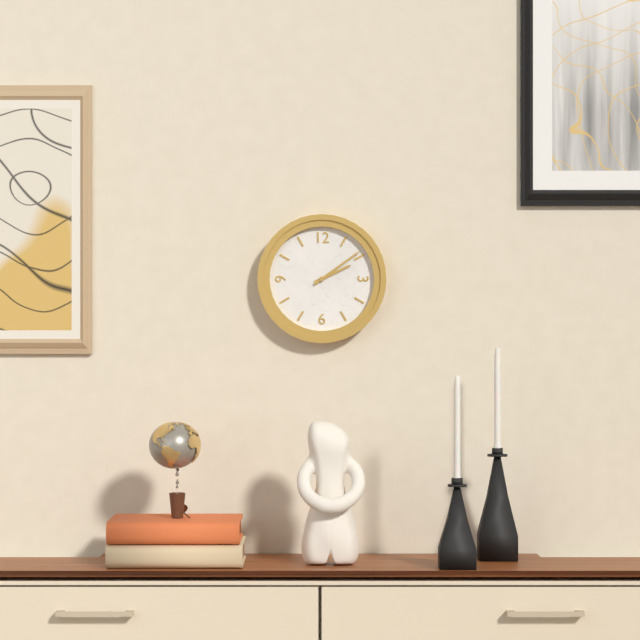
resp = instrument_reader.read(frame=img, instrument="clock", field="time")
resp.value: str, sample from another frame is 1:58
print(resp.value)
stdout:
2:09
